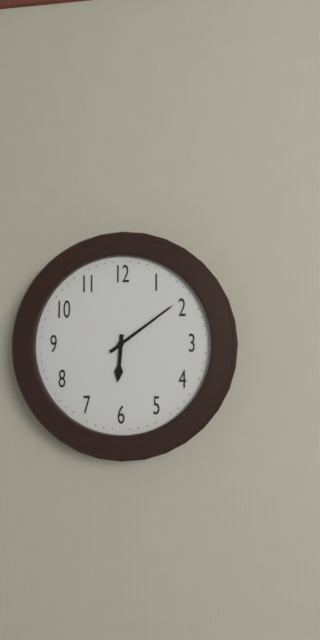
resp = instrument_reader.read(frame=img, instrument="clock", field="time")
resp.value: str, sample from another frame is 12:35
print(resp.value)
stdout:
6:09
